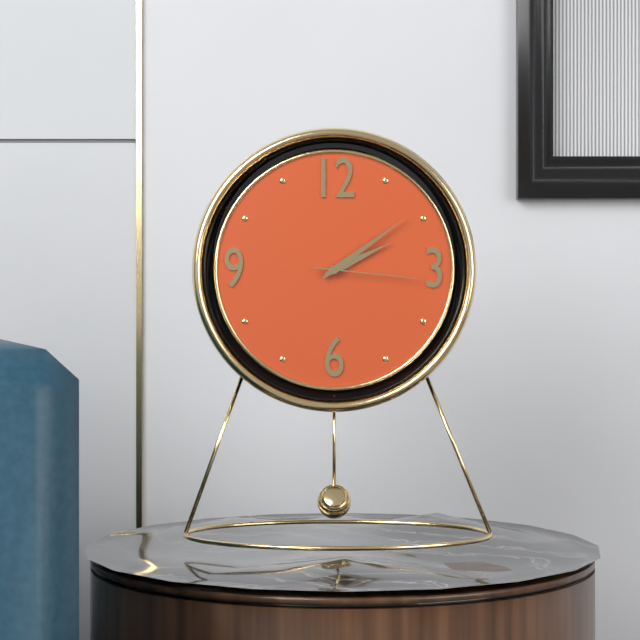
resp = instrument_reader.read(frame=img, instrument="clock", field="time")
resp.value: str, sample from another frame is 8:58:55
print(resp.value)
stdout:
2:09:16
